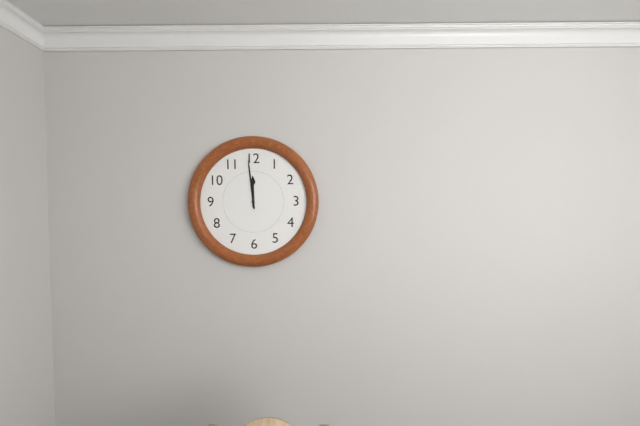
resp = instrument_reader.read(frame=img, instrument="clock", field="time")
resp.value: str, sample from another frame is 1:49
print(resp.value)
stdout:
11:59
